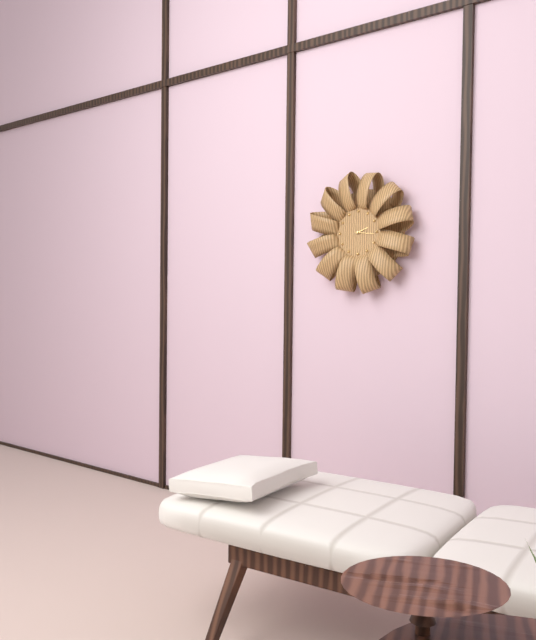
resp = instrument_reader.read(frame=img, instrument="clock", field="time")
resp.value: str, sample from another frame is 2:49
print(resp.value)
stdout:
2:16
